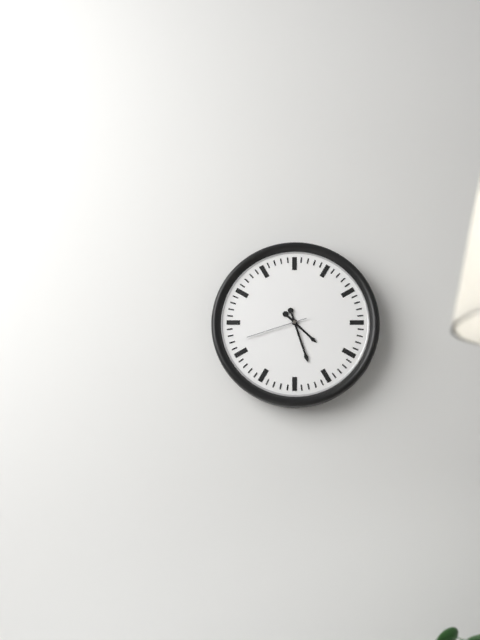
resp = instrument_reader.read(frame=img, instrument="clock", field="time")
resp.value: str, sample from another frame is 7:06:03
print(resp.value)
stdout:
4:27:42
